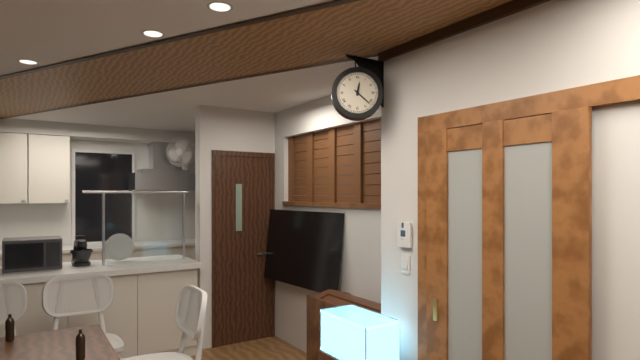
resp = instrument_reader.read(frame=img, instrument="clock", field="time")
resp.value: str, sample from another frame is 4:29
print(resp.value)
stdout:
12:22
